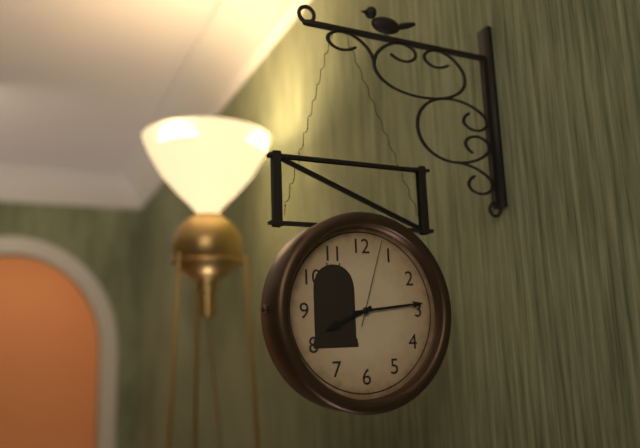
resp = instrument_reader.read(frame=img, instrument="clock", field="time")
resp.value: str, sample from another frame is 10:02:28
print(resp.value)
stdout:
8:14:03
